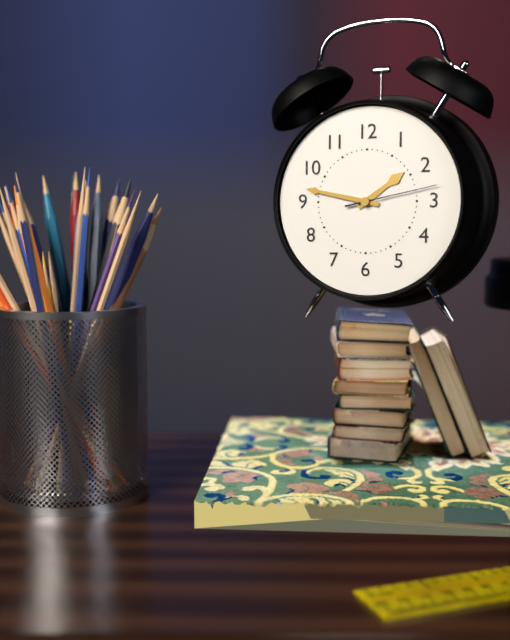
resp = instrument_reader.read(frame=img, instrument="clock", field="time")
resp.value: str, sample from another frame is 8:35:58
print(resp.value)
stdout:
1:47:13
